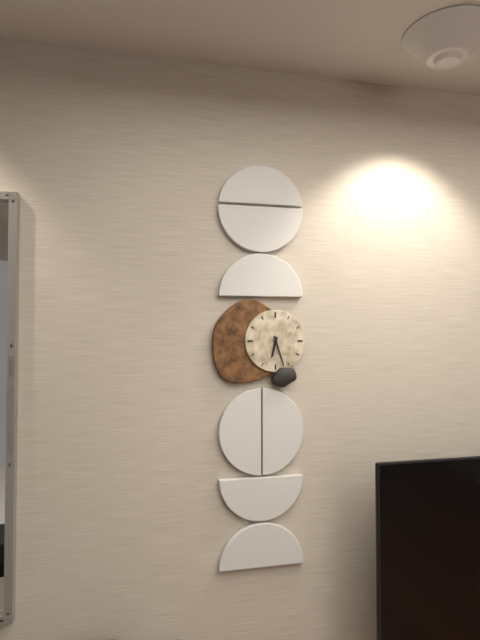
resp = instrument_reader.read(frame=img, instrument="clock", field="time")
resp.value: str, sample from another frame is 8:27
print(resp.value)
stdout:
6:27
